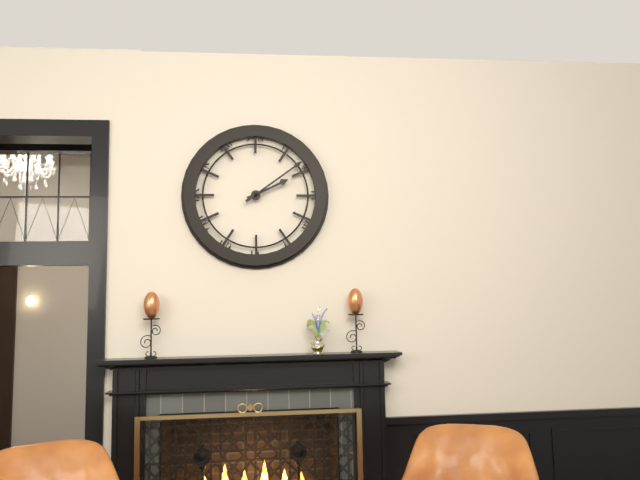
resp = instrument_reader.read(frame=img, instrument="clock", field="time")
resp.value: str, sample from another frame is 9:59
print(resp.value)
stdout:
2:09
